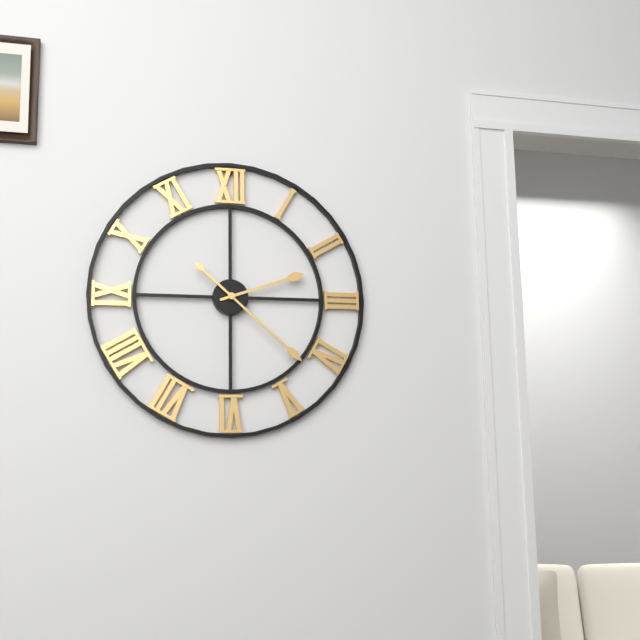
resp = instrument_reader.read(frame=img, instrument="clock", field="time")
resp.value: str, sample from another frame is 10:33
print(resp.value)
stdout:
2:22
